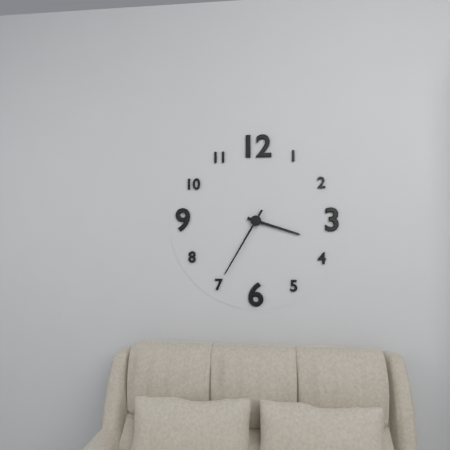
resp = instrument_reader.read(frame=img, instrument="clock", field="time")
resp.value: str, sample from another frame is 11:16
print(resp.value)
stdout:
3:35
